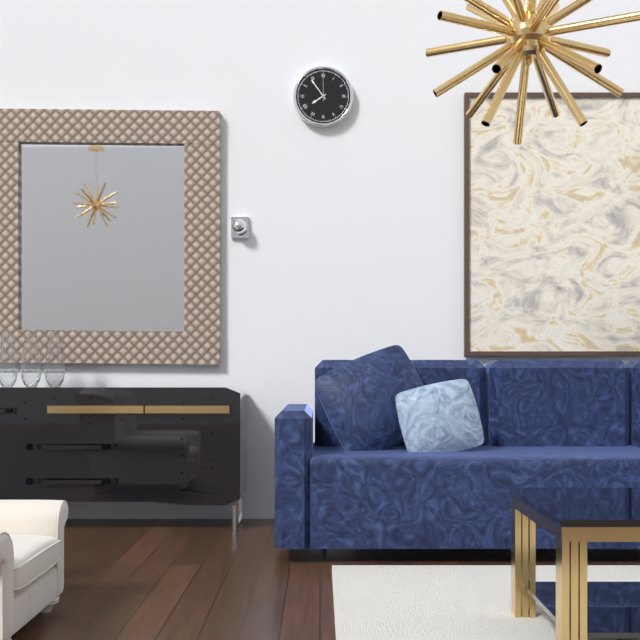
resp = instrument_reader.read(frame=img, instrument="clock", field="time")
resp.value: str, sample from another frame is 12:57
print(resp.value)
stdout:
7:54
